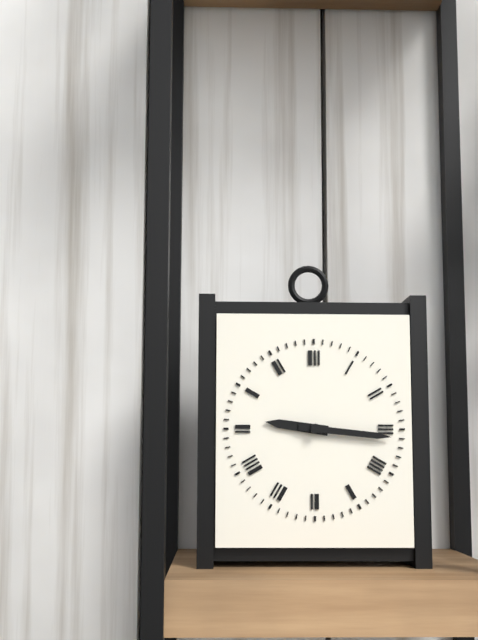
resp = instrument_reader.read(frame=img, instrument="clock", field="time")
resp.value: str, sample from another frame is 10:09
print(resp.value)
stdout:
9:16
